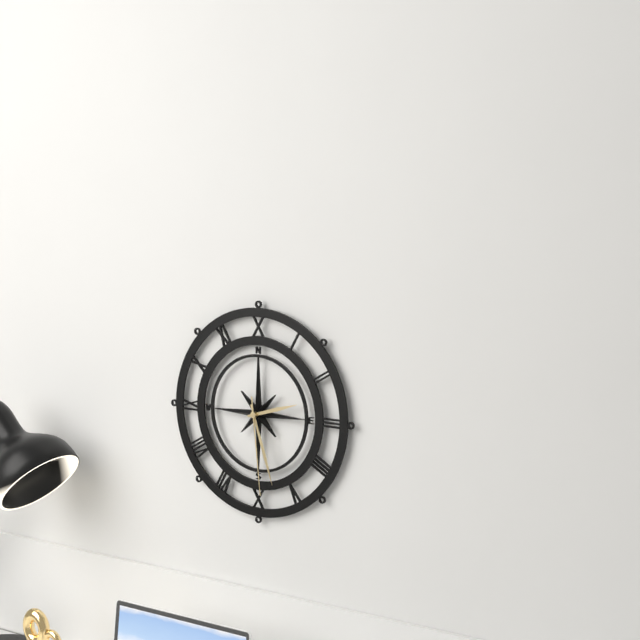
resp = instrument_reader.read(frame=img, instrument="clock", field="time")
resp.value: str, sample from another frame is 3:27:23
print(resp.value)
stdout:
2:27:29
